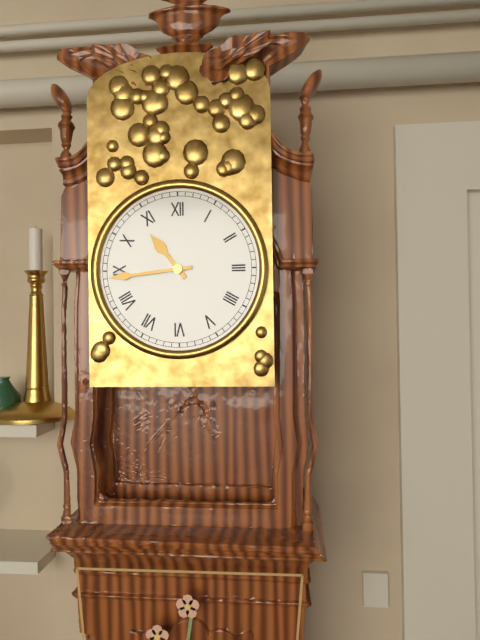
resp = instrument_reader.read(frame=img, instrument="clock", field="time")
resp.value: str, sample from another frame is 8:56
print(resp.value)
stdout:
10:44
